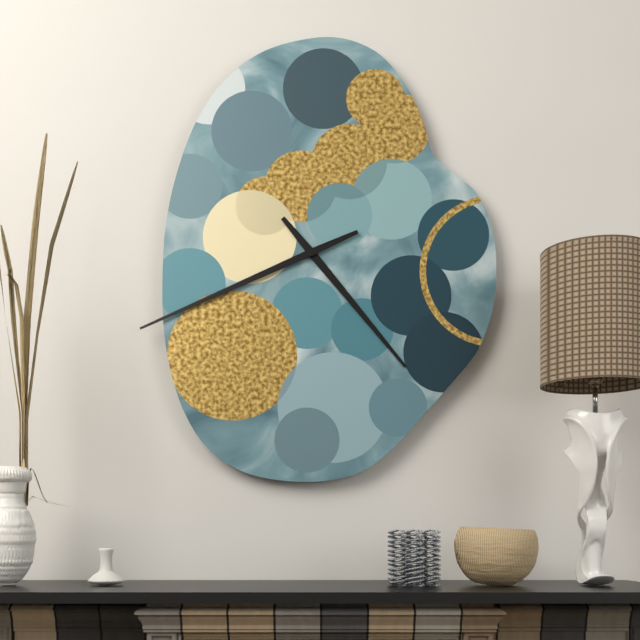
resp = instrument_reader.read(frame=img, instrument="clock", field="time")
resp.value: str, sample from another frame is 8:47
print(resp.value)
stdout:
4:41
